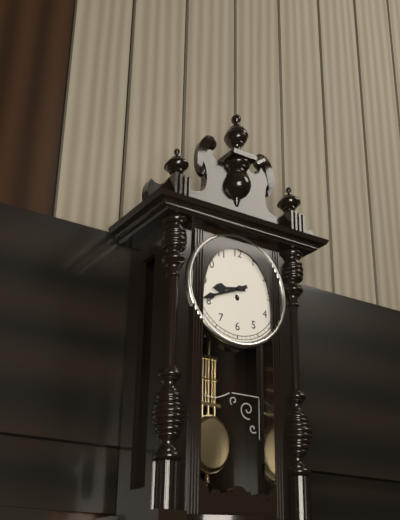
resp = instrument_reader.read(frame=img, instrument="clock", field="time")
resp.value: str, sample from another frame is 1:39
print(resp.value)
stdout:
8:41
